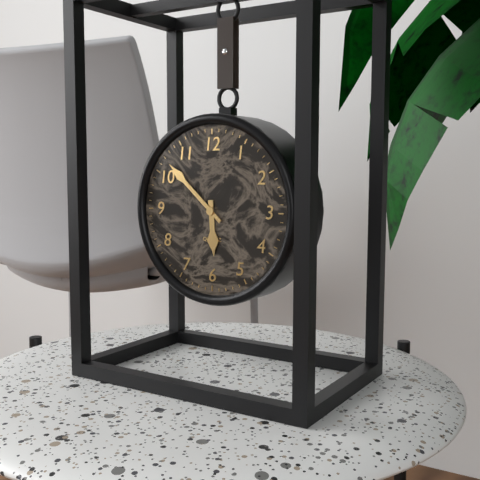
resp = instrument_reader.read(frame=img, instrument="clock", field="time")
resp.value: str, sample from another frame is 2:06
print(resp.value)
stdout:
5:52
